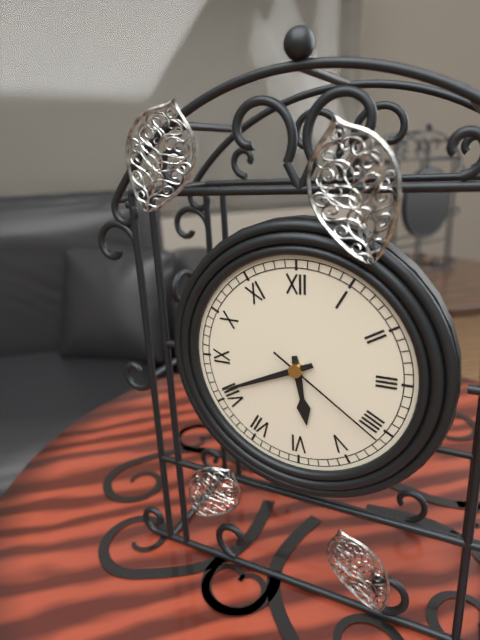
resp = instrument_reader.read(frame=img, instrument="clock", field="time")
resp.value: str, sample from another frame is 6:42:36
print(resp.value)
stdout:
5:41:21
